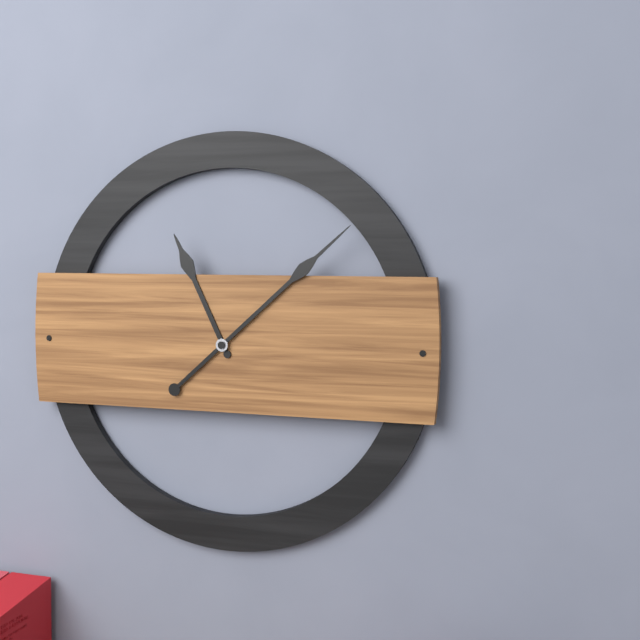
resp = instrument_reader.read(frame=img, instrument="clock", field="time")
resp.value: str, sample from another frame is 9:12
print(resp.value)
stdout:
11:08
